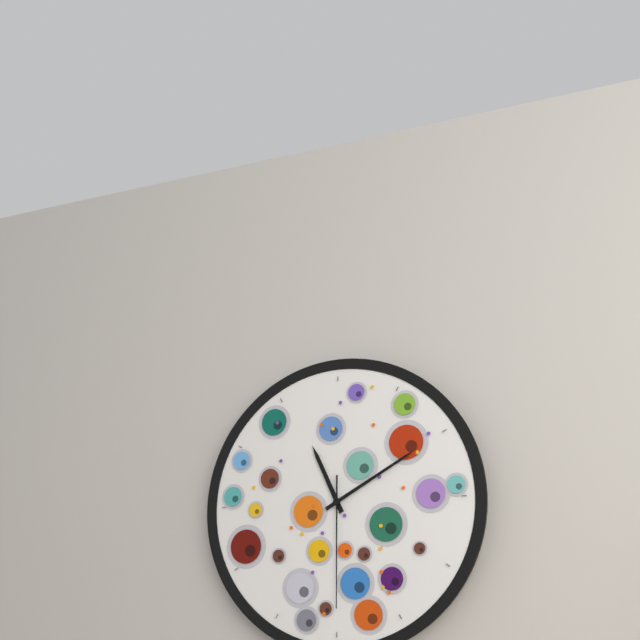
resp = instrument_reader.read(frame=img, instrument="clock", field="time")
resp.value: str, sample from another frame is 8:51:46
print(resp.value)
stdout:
11:10:30
